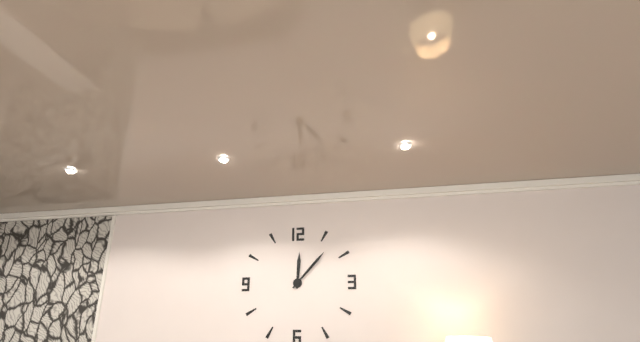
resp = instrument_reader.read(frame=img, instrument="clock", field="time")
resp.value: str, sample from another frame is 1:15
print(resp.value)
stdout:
12:07
